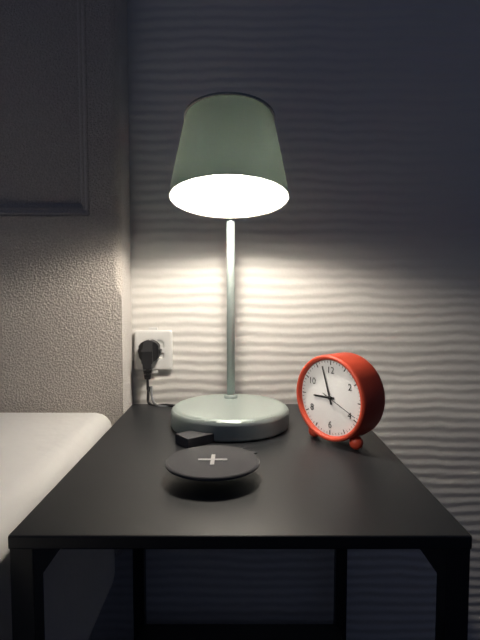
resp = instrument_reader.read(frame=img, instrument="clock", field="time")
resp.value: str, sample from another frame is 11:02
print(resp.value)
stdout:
8:57
